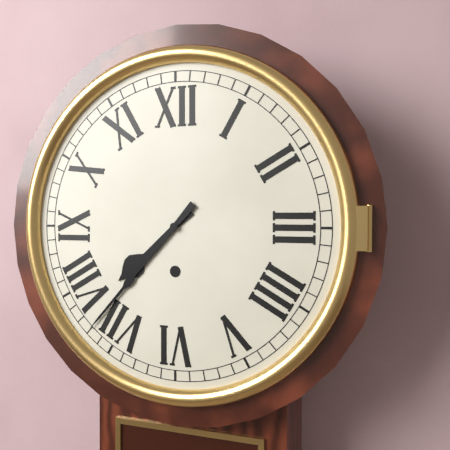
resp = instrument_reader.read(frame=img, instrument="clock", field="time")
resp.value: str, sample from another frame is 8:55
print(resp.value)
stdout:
7:37
